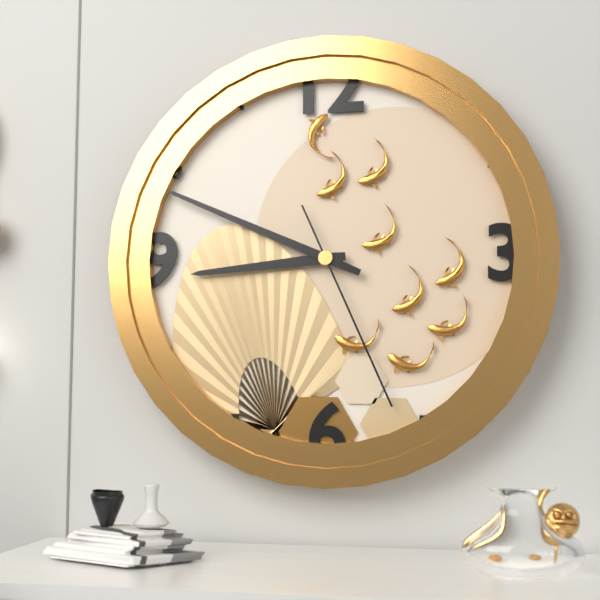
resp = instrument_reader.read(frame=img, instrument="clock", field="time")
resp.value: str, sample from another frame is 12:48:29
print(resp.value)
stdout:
8:49:26
